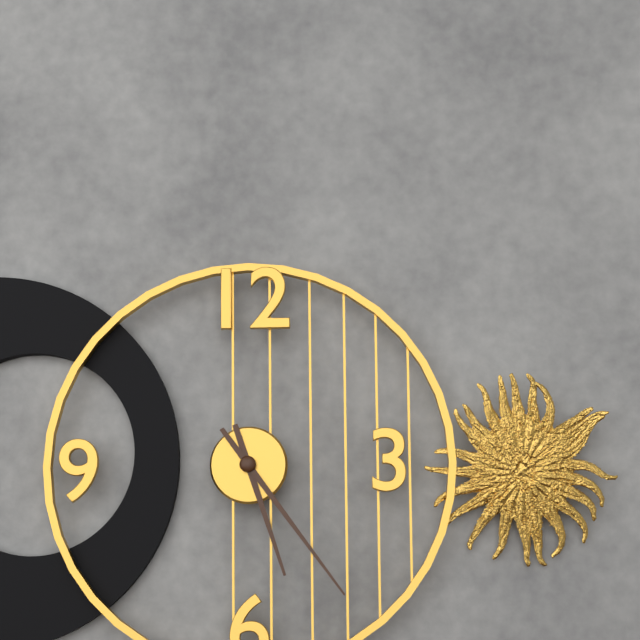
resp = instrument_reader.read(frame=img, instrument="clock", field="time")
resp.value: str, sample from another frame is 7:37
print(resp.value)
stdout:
5:24
